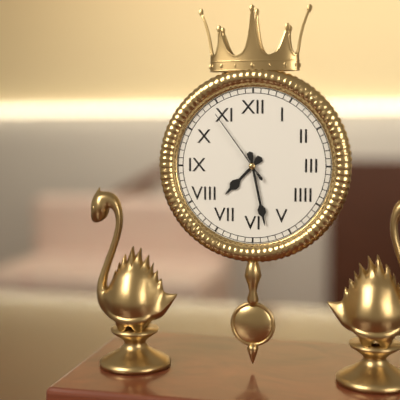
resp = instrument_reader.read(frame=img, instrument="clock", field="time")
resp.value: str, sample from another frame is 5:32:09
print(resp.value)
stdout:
7:28:54
